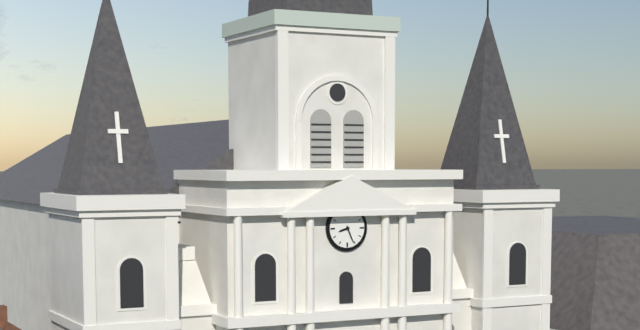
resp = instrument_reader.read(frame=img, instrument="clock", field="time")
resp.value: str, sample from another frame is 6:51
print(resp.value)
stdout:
8:26
